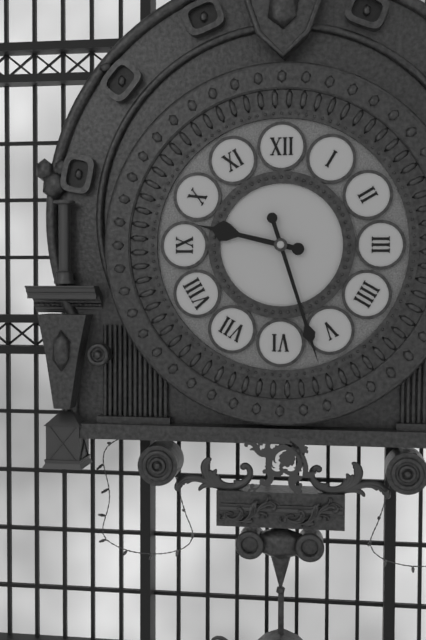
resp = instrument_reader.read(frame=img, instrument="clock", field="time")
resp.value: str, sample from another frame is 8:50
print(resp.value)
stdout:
9:27
